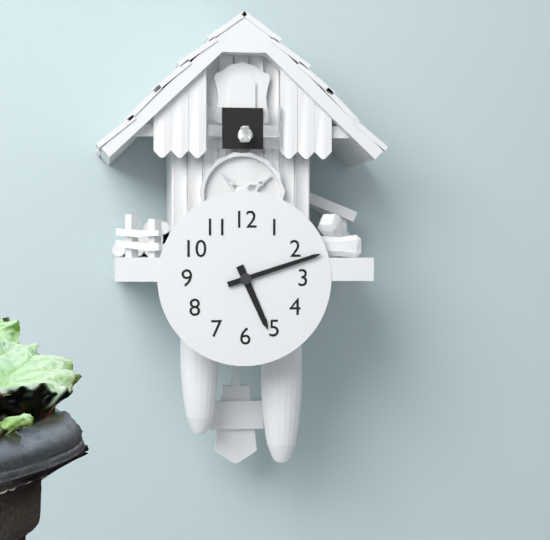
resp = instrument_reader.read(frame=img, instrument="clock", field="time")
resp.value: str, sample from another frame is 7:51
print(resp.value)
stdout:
5:12
